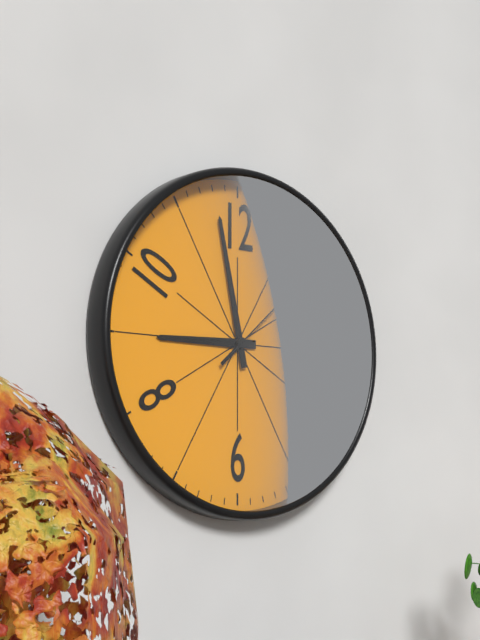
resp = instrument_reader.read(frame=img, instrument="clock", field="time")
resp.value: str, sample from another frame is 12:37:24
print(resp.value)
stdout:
8:58:08
